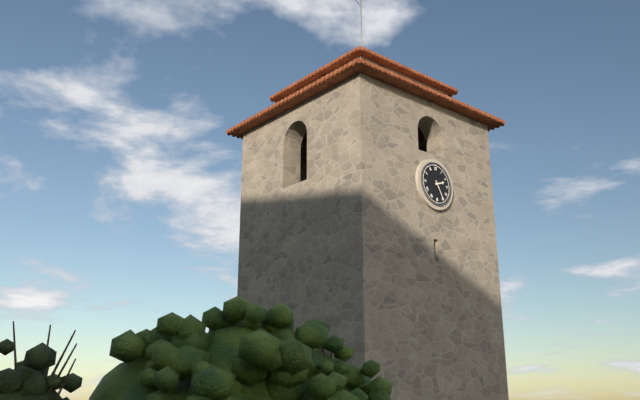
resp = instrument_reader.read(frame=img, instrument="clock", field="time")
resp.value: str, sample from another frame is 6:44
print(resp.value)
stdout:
2:25
